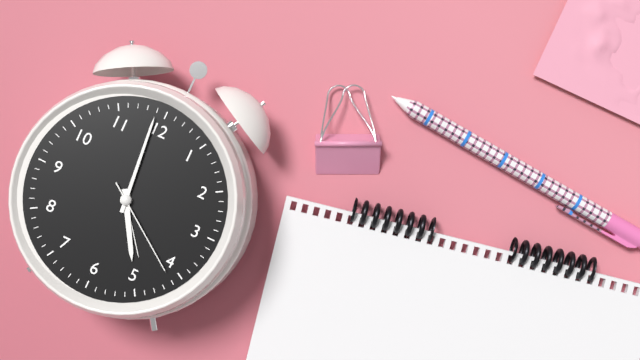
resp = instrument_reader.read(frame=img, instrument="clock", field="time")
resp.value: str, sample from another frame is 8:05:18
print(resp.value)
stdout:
4:59:21
